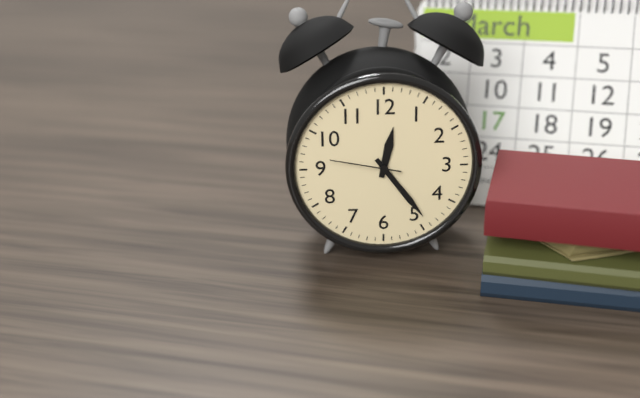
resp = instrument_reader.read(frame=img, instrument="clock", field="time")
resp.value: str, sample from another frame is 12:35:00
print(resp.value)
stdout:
12:24:47
